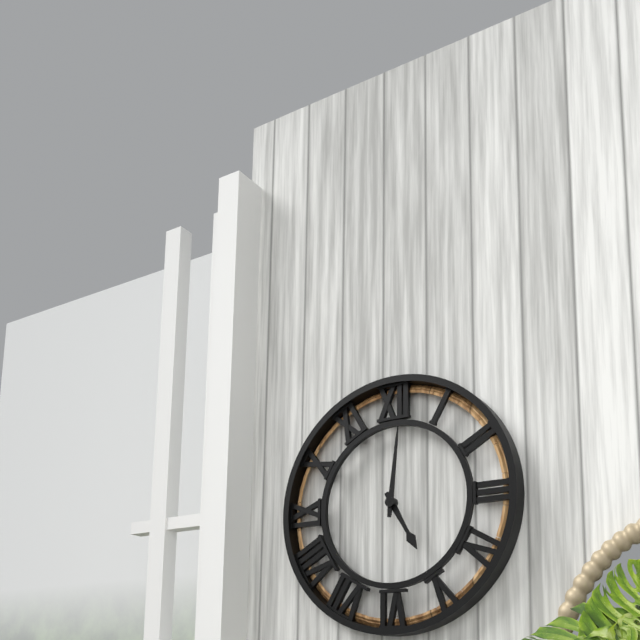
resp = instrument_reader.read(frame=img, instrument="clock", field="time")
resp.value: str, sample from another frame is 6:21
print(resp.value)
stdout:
5:01
